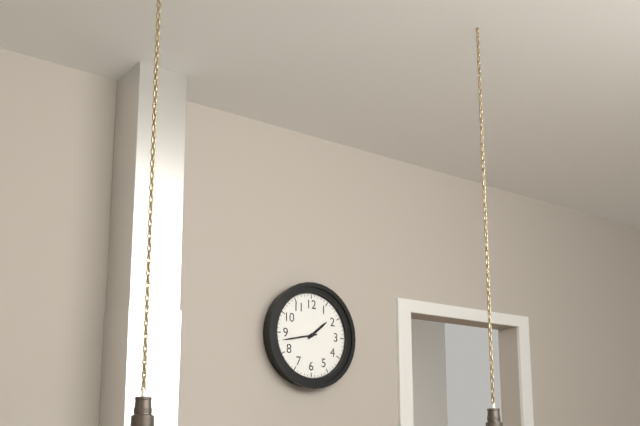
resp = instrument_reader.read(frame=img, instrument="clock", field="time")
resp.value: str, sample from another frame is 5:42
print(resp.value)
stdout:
1:43
